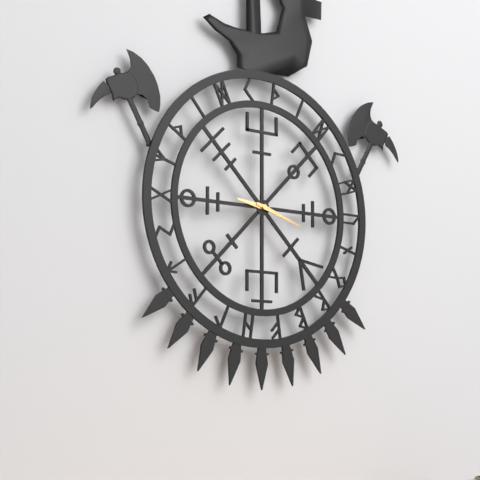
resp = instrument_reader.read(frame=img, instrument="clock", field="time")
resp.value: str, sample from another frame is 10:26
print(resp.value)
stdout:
9:18
